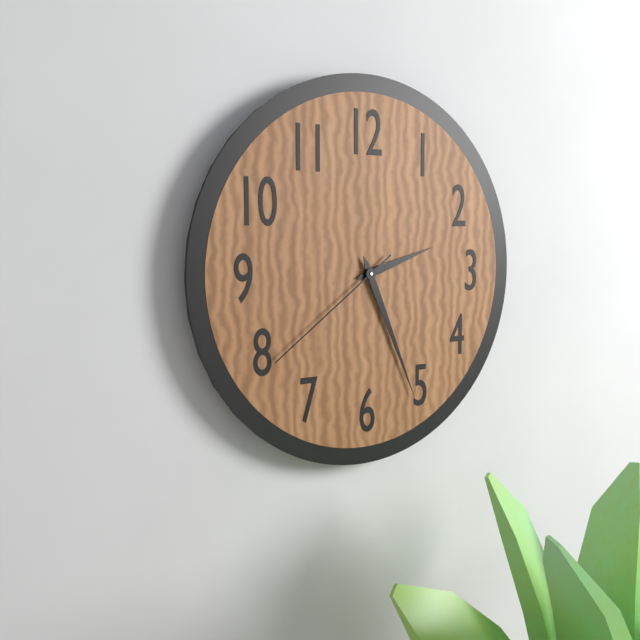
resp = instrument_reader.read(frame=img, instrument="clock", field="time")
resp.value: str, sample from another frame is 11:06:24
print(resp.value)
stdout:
2:26:39
